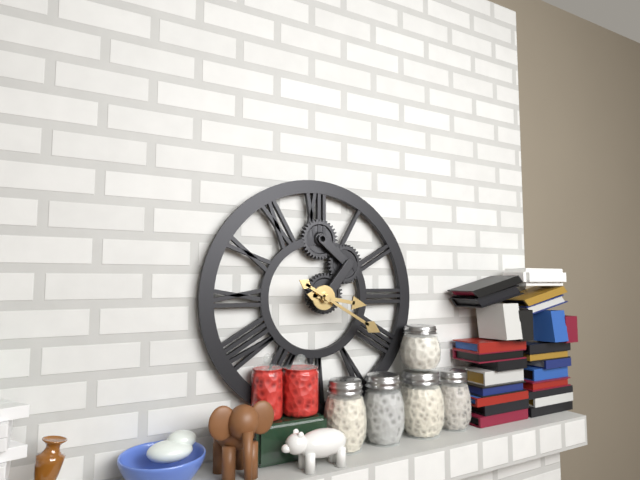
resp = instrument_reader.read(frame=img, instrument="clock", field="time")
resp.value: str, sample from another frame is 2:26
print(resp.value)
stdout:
3:20
